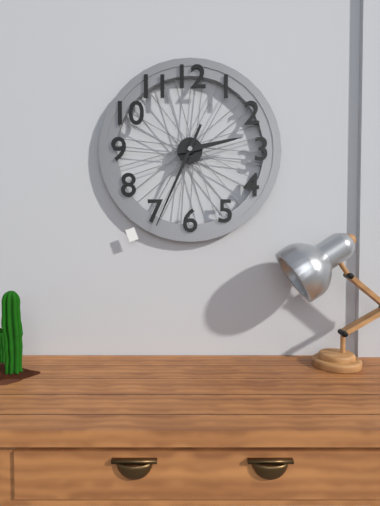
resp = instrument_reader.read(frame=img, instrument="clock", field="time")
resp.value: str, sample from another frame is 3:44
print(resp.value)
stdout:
2:34
